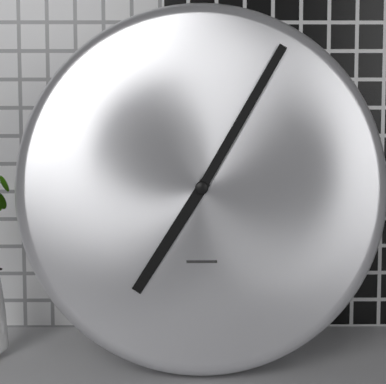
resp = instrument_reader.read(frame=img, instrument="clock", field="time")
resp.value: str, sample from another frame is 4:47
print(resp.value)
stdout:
7:05
